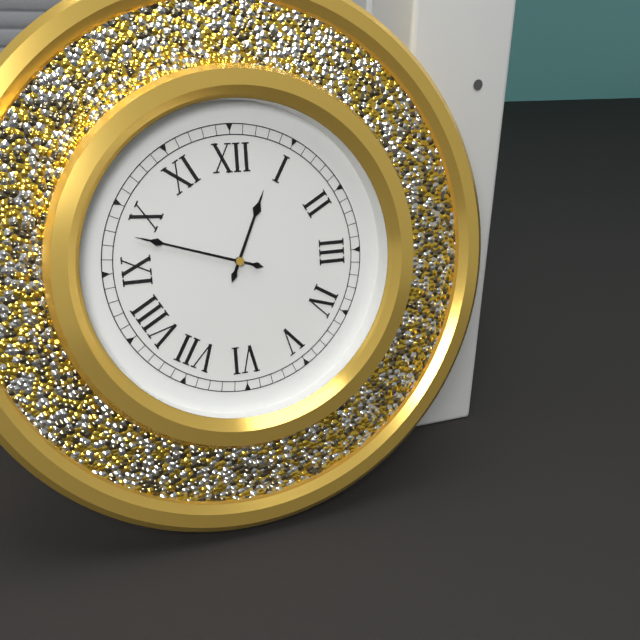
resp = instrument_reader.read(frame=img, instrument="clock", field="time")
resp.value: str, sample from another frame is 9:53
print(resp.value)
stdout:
12:48
